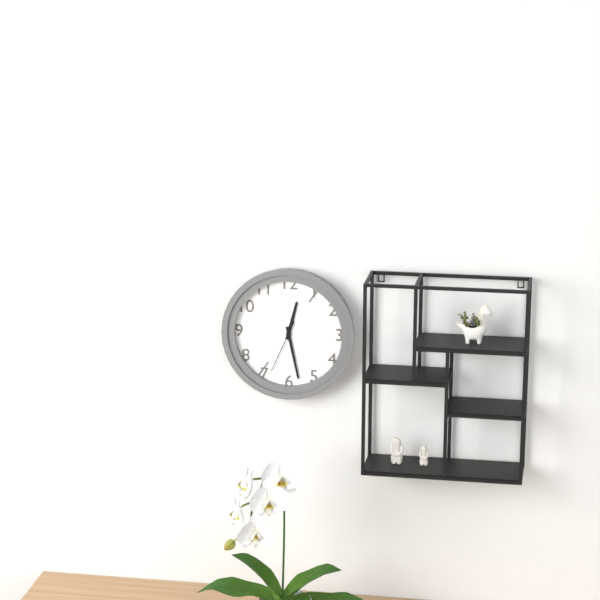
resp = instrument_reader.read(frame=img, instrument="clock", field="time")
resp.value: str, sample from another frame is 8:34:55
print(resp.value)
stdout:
12:28:34
